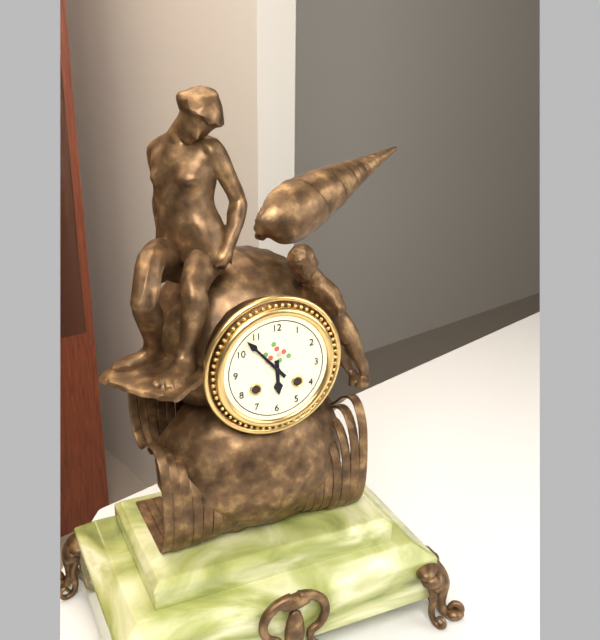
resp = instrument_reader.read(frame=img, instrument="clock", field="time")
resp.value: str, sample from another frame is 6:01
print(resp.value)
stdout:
5:53
